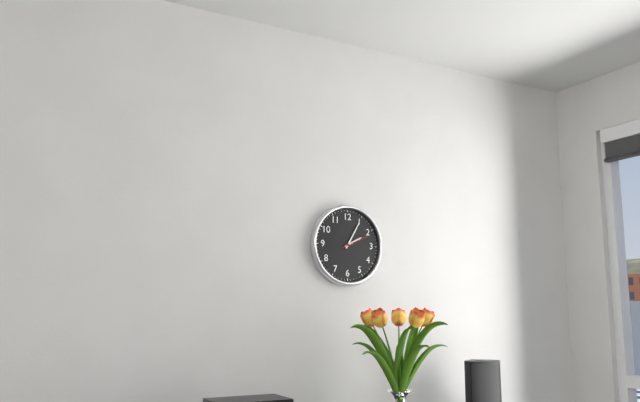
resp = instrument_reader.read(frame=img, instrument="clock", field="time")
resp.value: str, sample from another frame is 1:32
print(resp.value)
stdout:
2:05
